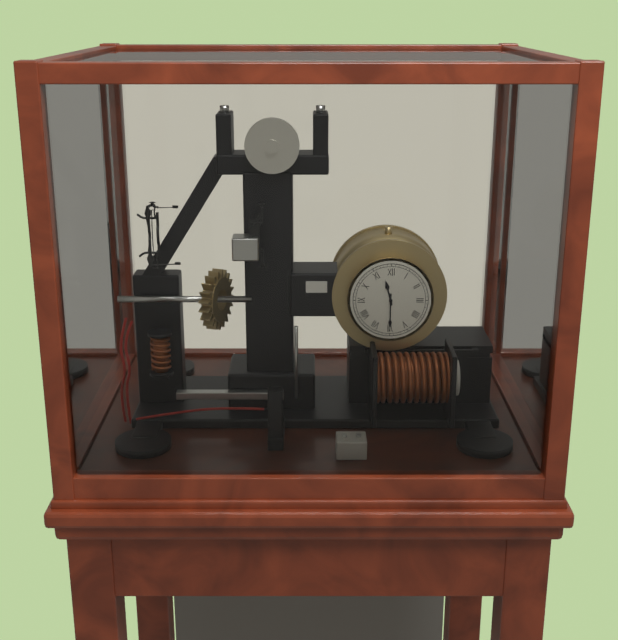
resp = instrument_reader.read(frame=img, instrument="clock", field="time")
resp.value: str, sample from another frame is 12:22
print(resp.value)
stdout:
11:30
